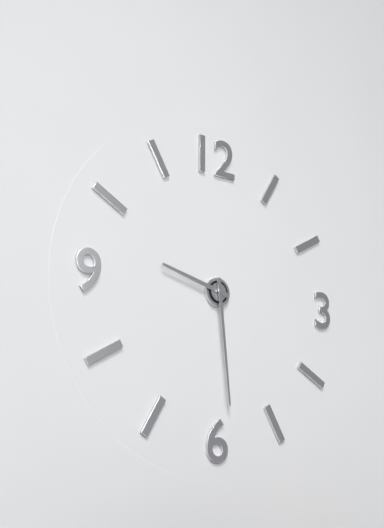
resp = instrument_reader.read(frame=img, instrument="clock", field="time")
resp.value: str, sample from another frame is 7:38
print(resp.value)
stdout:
9:29
